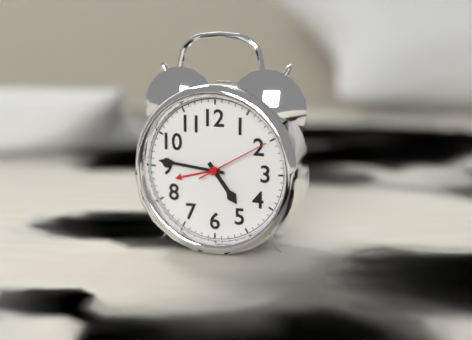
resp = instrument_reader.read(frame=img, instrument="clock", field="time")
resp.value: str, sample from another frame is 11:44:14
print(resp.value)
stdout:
4:46:10
